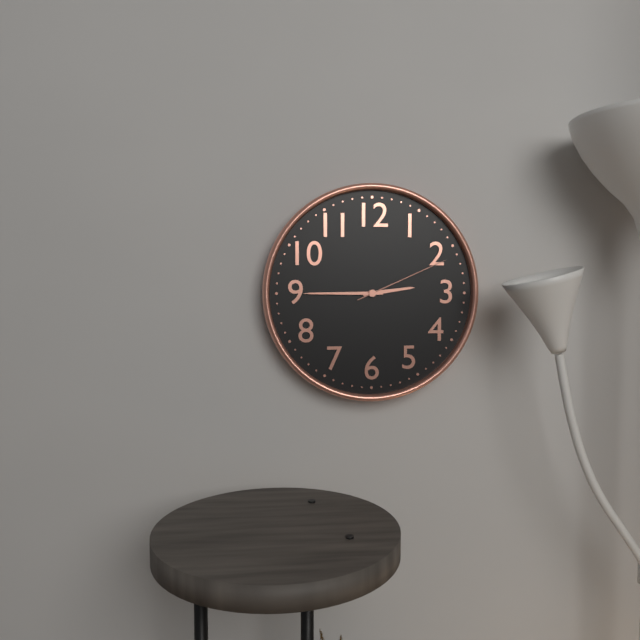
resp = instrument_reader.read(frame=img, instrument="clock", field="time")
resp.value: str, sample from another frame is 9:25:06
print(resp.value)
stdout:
2:45:11
